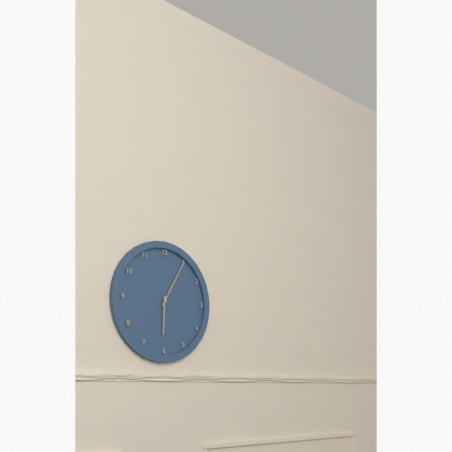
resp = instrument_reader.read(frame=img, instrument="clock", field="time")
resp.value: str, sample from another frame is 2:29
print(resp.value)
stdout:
6:05
